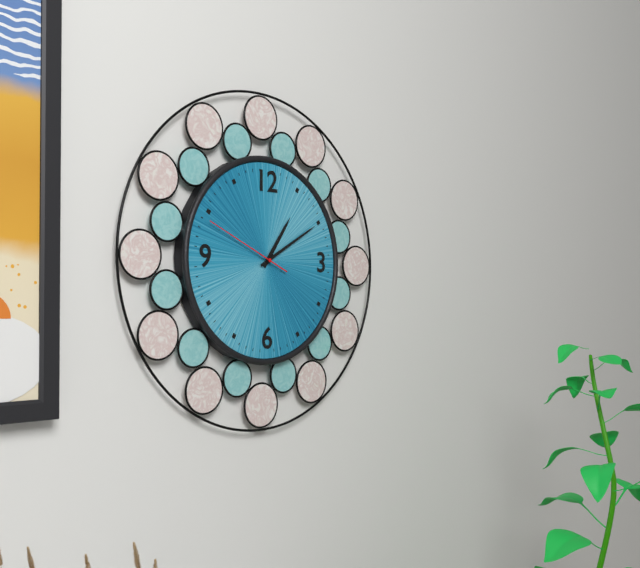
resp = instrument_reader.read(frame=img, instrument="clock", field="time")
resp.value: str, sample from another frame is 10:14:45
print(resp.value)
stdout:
1:10:49
